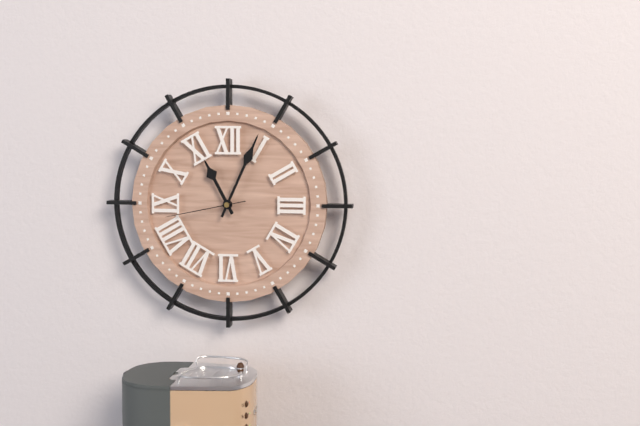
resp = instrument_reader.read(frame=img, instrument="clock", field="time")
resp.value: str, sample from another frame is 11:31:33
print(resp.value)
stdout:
11:04:43
